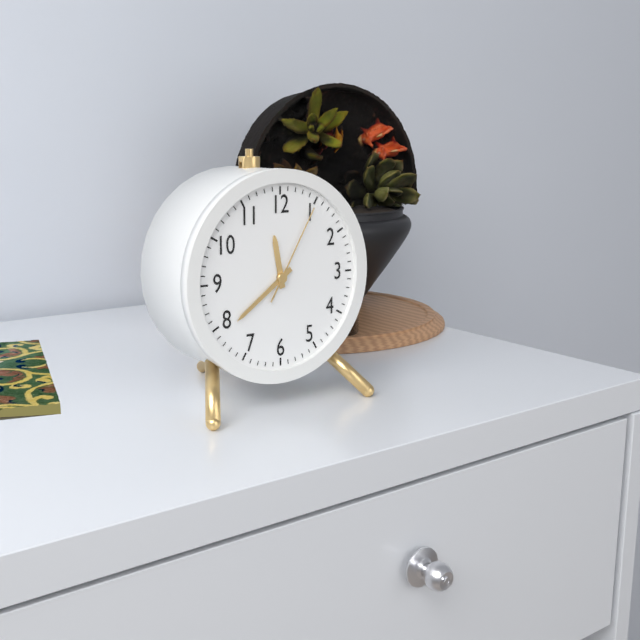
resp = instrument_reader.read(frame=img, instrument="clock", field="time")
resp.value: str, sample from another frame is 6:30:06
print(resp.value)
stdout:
11:39:05
